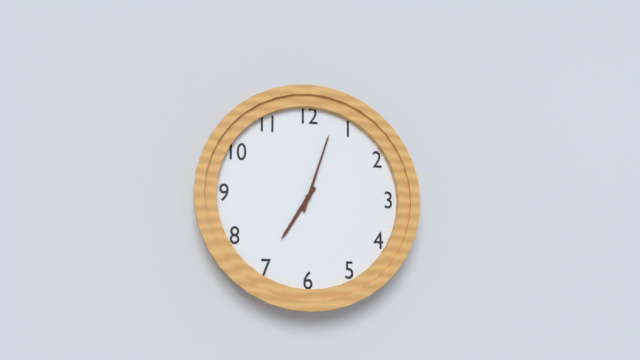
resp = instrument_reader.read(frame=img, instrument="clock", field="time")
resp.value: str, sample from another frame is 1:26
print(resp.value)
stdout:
7:03
